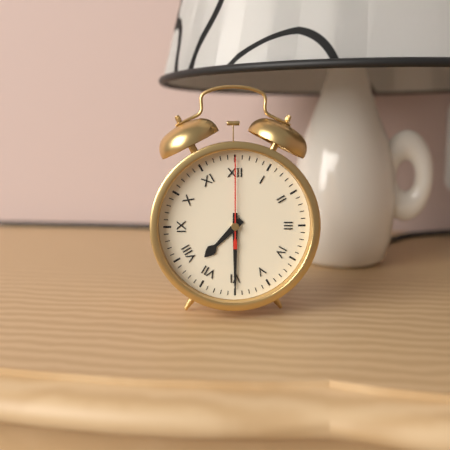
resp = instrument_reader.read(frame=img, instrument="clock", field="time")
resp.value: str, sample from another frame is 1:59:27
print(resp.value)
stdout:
7:30:00
